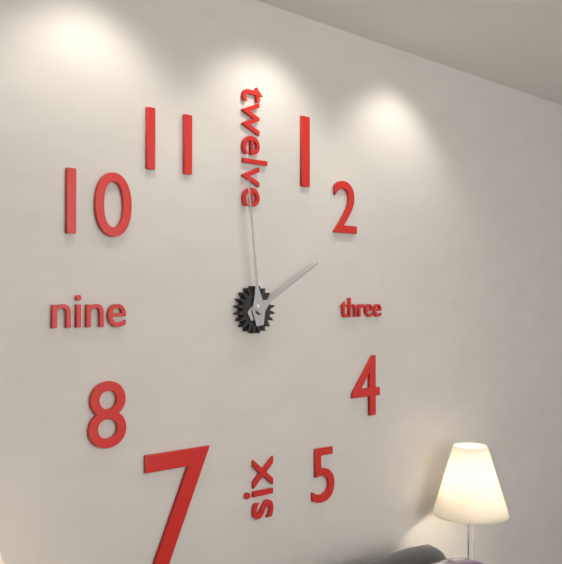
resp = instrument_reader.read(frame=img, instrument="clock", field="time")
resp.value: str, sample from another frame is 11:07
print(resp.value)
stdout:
1:59
